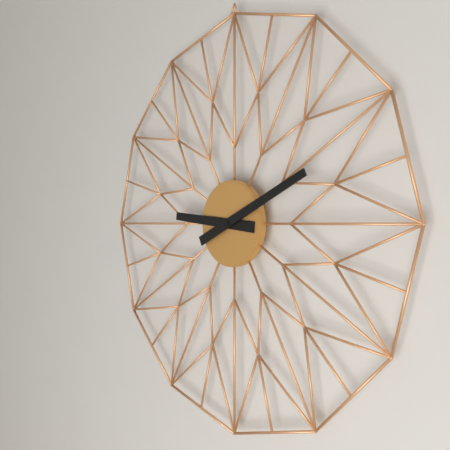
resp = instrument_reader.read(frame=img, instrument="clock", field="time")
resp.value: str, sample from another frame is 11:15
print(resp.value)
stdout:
9:11
